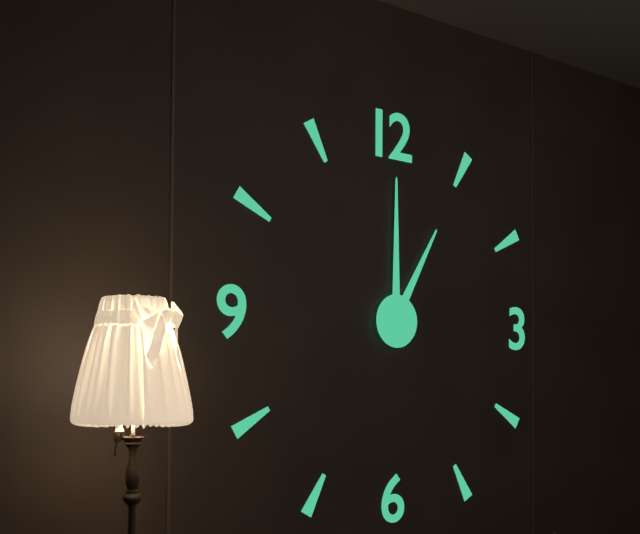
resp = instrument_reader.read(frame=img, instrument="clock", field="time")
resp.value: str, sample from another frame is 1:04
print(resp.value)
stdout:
1:00
